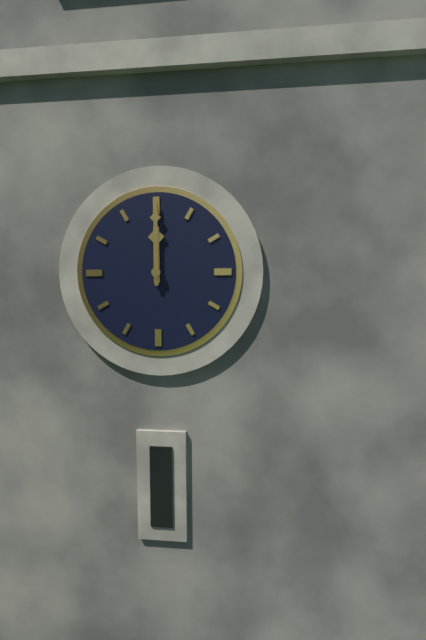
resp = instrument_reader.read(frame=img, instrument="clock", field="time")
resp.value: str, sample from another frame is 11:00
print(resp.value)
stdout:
12:00
